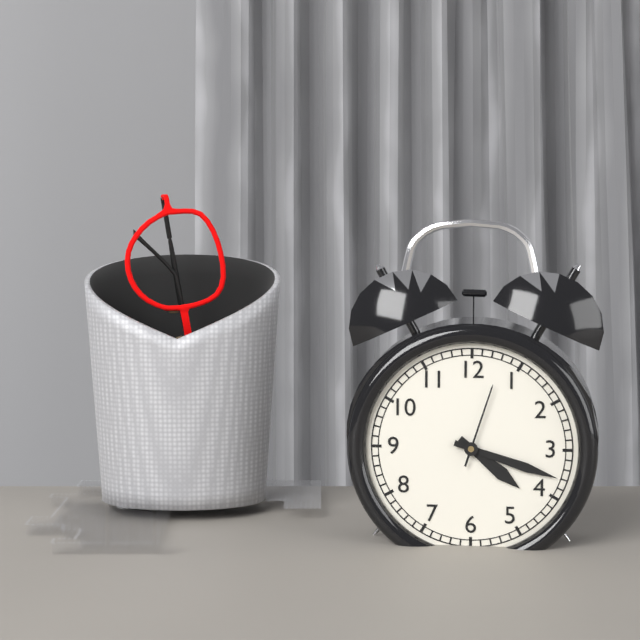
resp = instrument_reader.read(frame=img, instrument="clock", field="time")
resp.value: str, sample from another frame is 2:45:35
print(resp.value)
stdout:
4:18:03
